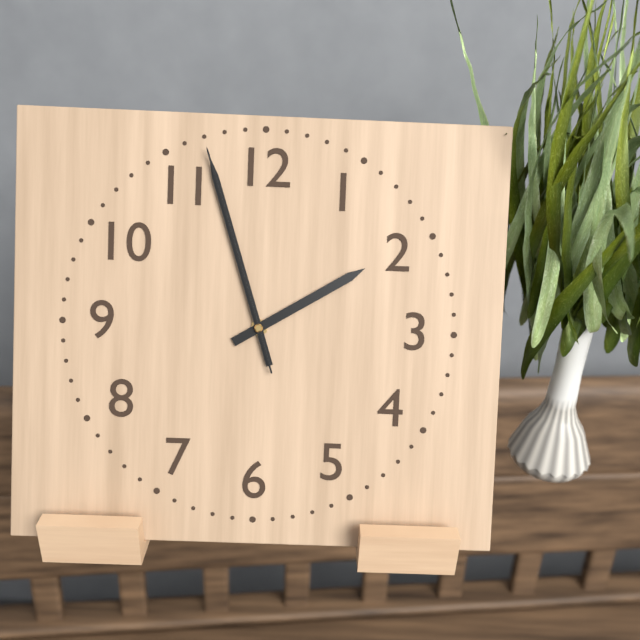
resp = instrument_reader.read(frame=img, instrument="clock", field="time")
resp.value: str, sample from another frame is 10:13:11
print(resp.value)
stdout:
1:57:57
